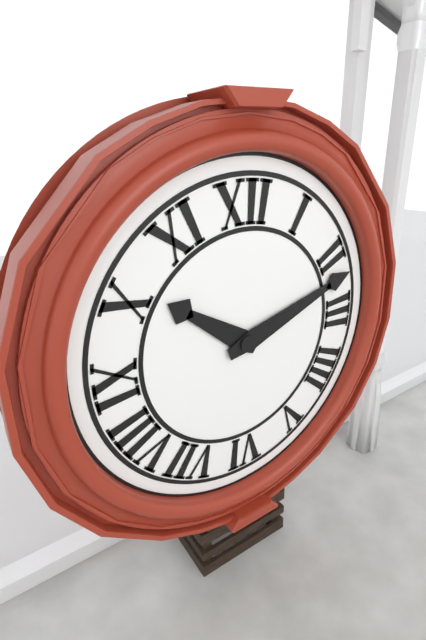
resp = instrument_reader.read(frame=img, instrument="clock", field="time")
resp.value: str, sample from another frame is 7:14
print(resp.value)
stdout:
10:12
